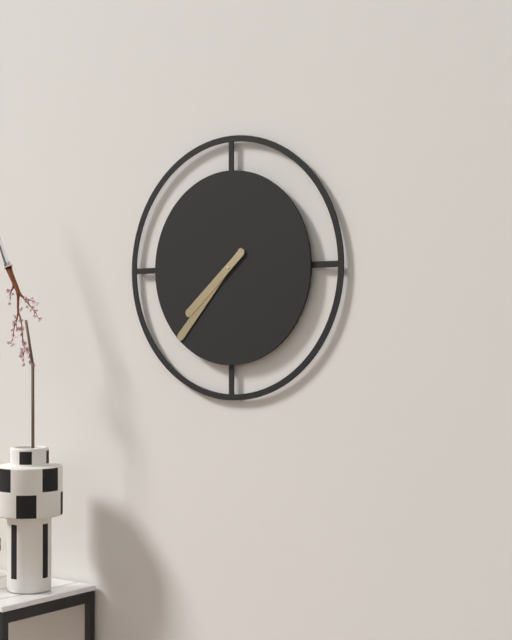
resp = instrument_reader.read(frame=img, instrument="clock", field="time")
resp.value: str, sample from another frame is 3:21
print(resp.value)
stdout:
7:37
